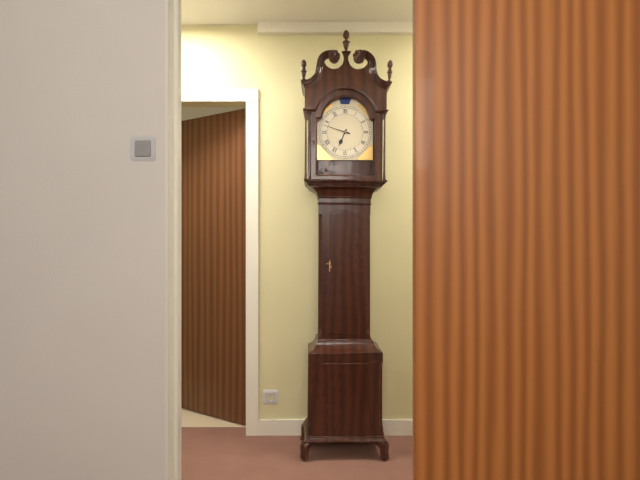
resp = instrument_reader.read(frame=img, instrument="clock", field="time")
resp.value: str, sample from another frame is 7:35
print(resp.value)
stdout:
6:48
